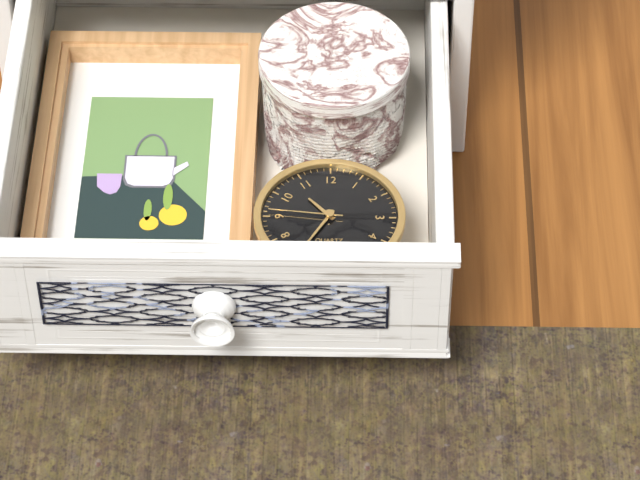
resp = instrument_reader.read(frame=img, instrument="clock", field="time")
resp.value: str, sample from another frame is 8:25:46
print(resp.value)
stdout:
10:35:46
